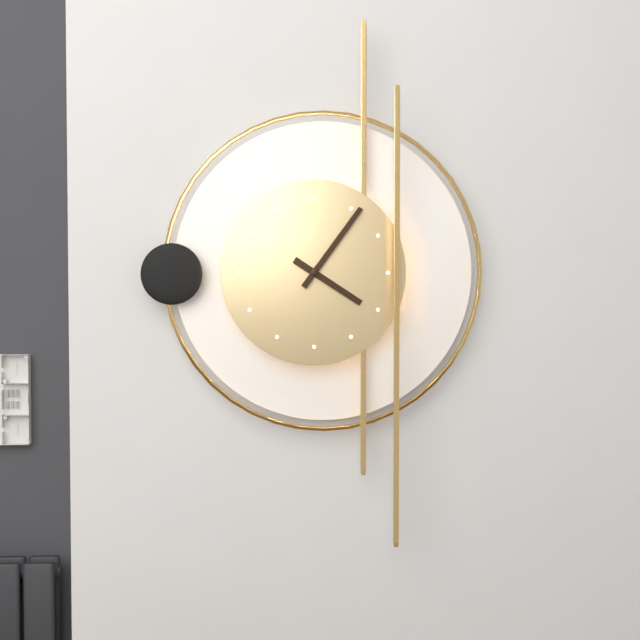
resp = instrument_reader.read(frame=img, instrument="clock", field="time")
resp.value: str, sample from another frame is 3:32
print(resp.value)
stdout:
4:06
